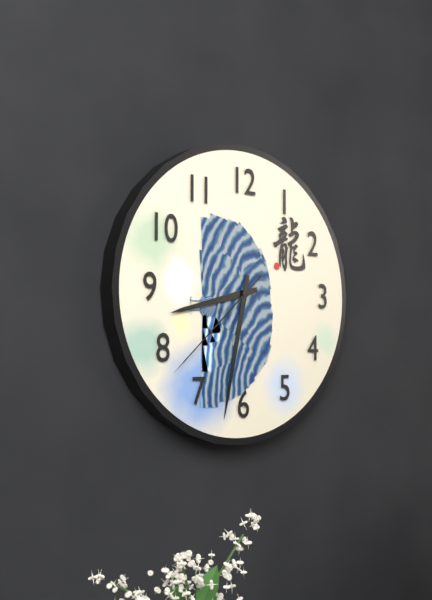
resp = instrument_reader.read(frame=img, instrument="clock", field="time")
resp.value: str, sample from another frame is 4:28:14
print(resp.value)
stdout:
8:32:38
